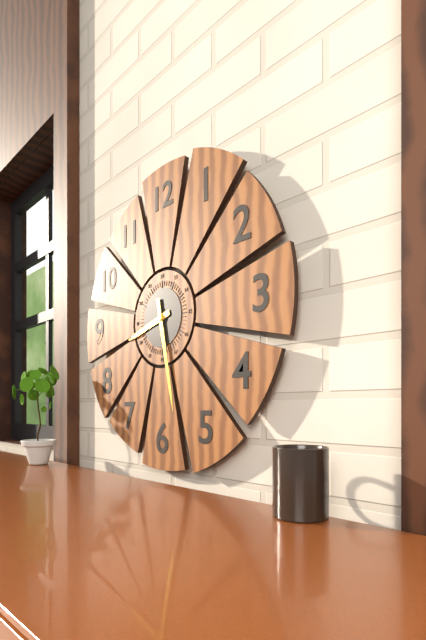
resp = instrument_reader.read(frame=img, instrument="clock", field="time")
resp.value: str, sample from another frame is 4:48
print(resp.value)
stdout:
8:28
